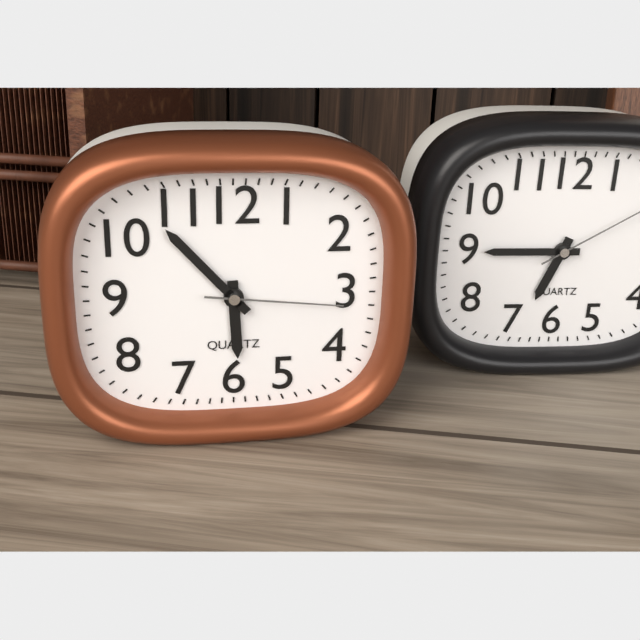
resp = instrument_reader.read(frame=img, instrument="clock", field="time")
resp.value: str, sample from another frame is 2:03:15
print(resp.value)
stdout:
5:53:16
